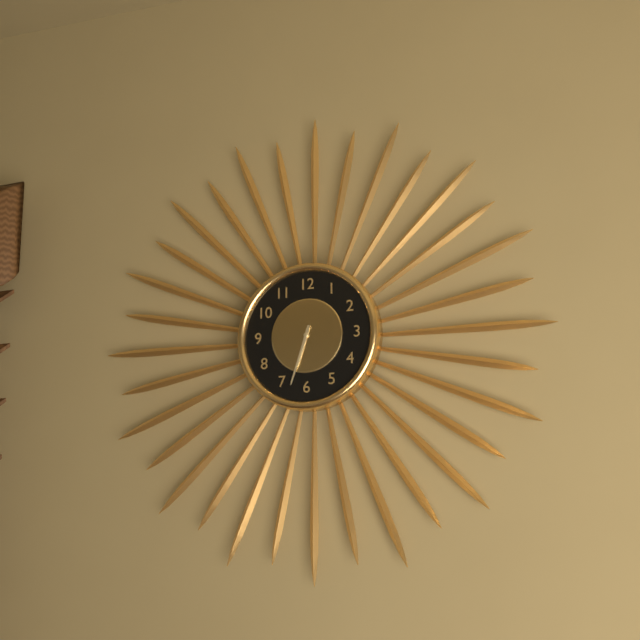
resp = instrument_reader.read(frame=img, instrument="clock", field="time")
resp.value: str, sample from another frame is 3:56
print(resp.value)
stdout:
6:33
